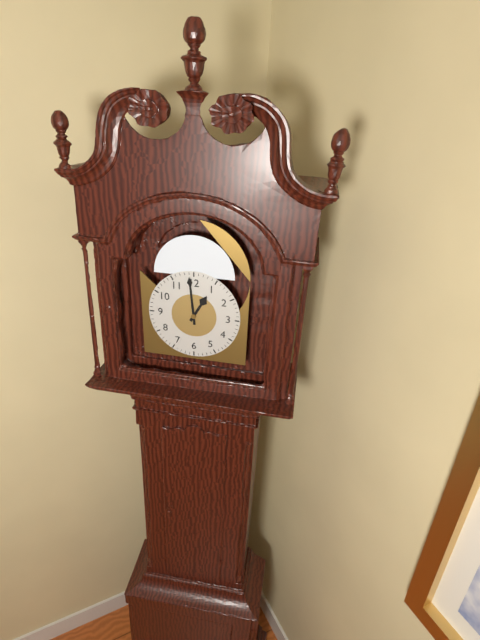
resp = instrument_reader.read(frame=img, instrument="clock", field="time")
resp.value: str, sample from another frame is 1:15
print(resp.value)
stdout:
12:59
